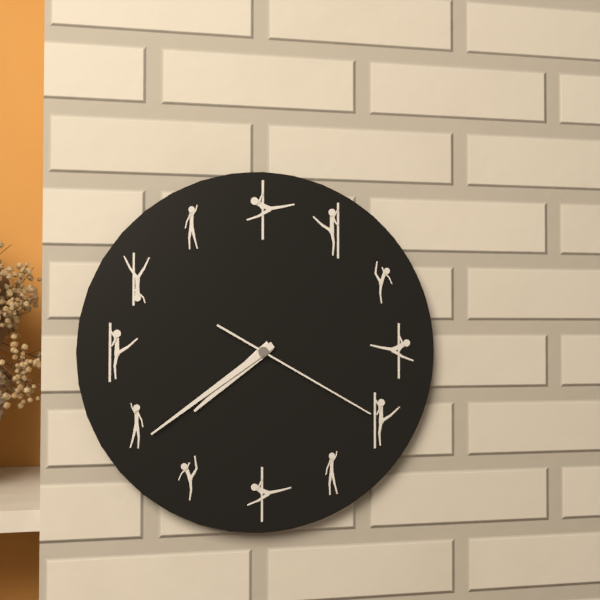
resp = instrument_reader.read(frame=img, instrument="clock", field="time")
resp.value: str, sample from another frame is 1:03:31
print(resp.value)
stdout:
7:39:20
